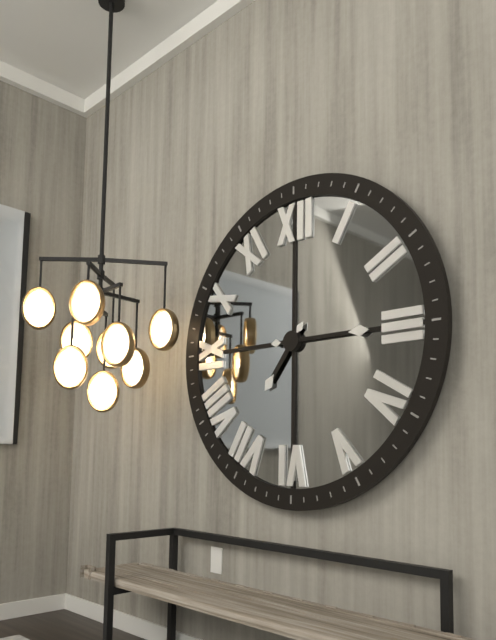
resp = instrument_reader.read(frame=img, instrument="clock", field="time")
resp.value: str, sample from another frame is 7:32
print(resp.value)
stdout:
7:15
